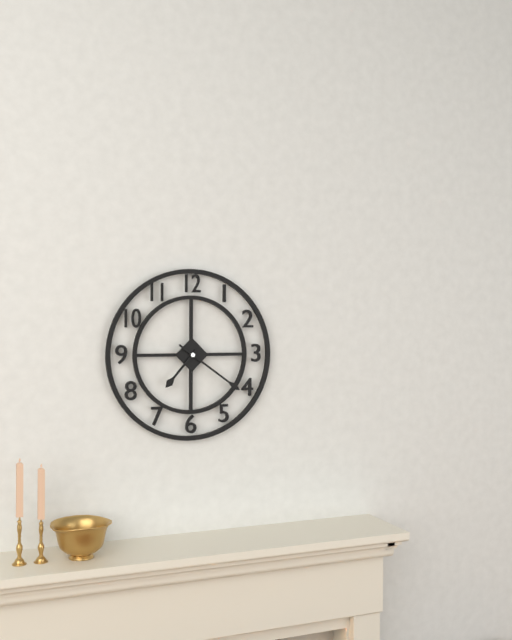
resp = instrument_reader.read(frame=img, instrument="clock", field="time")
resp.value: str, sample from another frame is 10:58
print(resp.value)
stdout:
7:21
